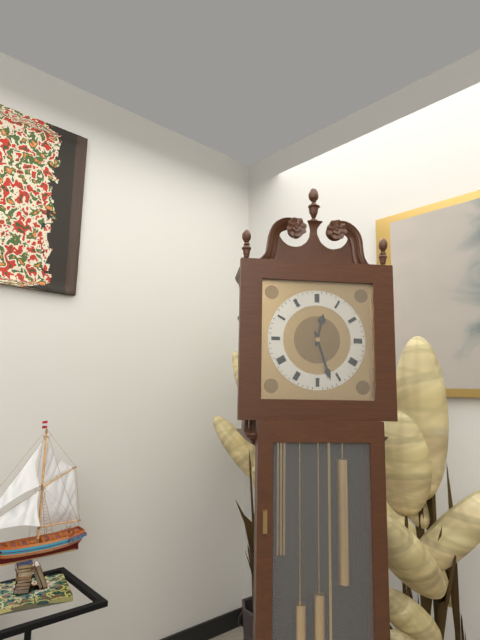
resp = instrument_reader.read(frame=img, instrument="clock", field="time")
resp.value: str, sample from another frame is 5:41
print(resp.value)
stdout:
12:27
